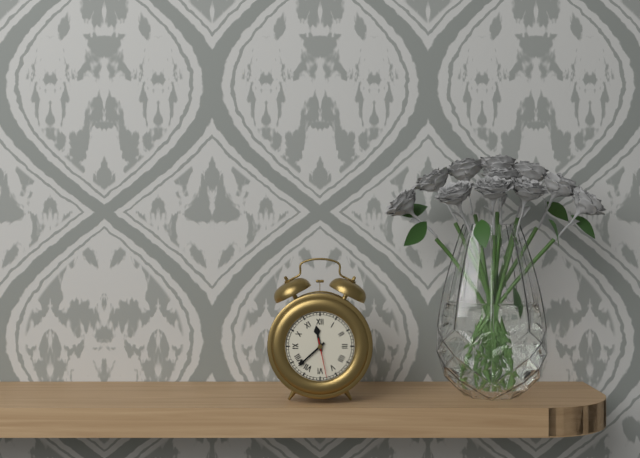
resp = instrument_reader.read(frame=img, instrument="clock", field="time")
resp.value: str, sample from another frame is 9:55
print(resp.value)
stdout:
11:38
